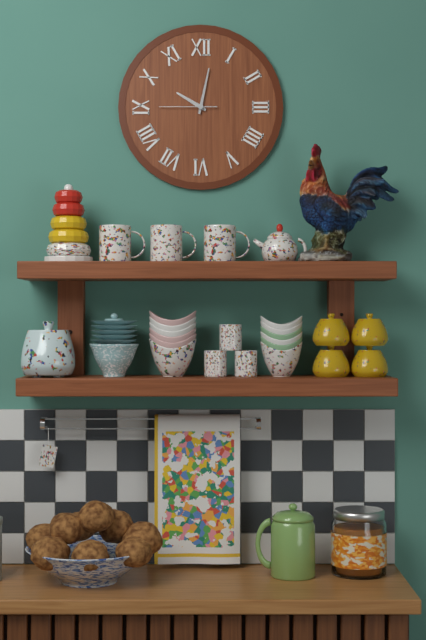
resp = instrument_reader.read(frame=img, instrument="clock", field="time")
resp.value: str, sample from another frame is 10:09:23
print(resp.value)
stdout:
10:02:45
